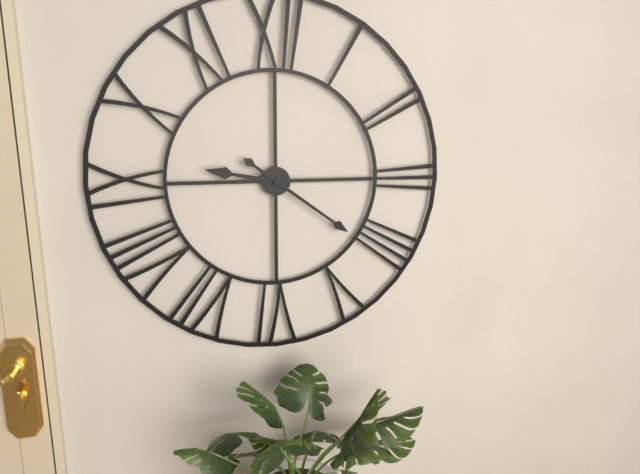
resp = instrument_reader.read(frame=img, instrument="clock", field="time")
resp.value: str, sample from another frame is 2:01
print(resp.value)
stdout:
9:21
